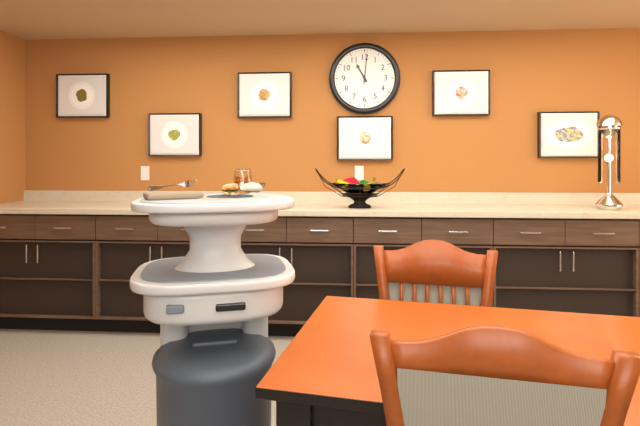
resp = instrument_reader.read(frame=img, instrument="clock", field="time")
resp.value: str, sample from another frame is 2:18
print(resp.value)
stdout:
11:01
